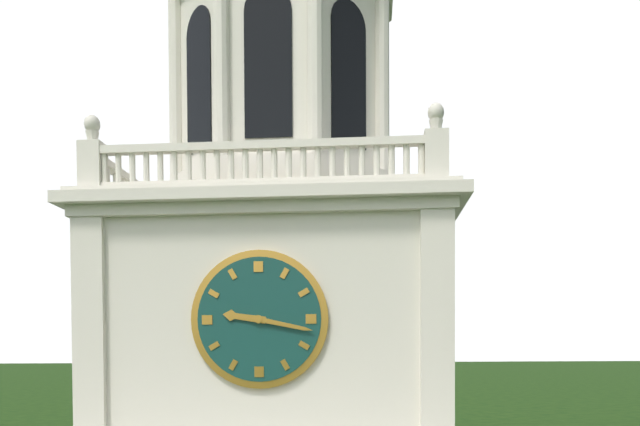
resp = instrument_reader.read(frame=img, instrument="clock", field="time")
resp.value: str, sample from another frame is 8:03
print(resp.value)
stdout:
9:17
